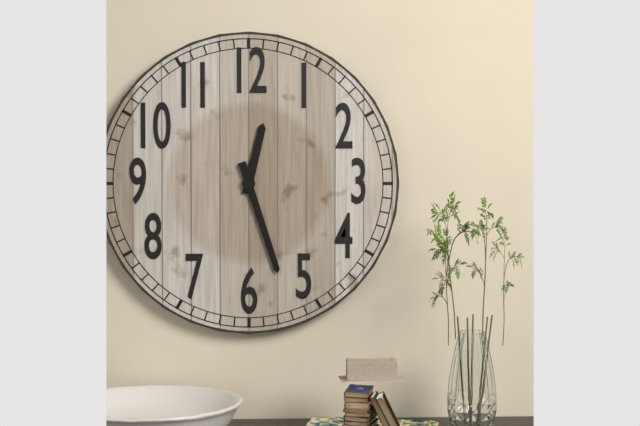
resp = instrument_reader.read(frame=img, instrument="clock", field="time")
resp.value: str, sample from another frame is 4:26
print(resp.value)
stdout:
12:27
